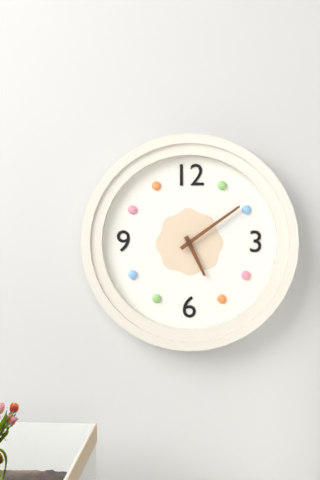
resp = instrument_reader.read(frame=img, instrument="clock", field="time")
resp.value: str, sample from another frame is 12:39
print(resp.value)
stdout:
5:09
